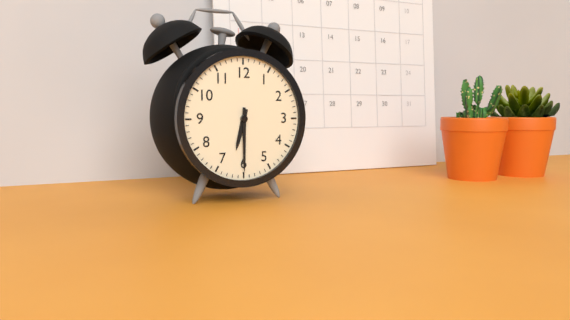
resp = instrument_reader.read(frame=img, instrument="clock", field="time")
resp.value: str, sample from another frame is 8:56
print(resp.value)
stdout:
6:30
